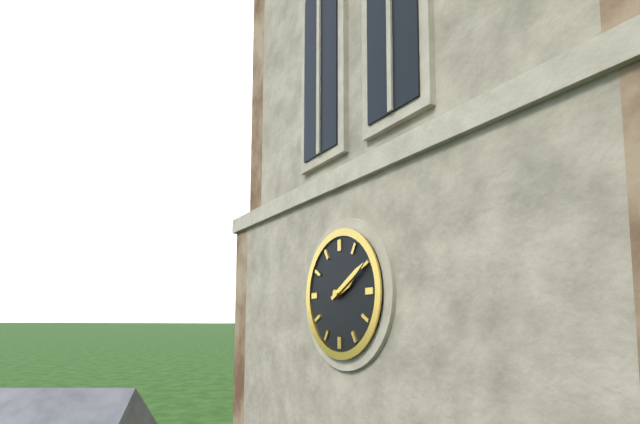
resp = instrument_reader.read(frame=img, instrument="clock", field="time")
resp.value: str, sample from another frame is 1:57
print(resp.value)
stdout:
2:10
